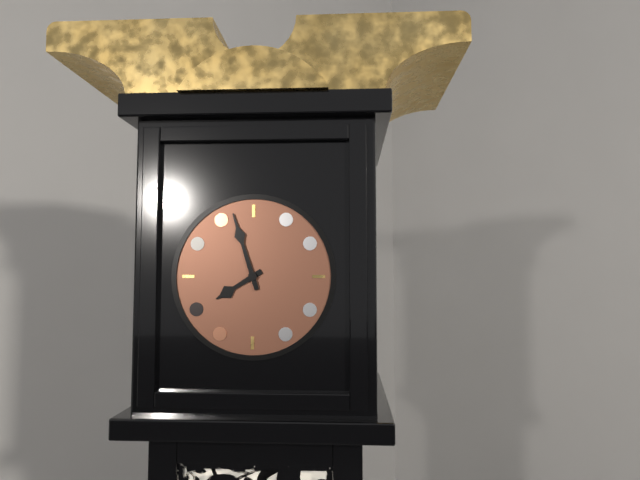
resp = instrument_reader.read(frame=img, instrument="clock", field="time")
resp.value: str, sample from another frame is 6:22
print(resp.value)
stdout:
7:57
